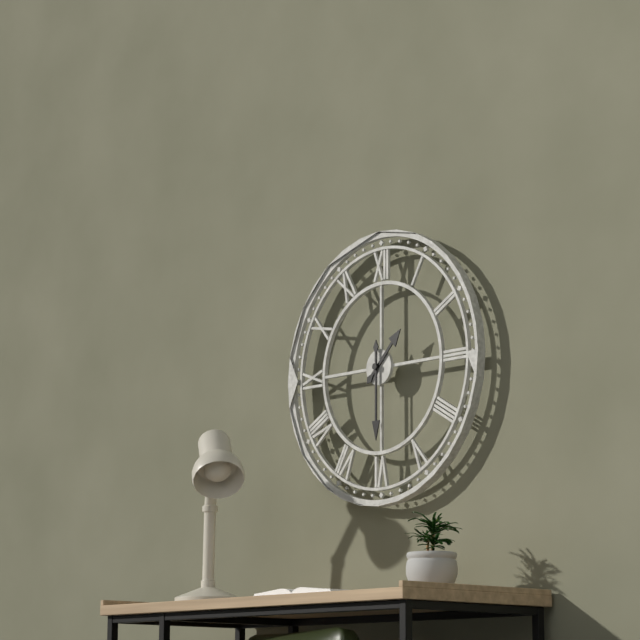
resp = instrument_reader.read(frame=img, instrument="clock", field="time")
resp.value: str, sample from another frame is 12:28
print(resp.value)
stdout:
1:30
